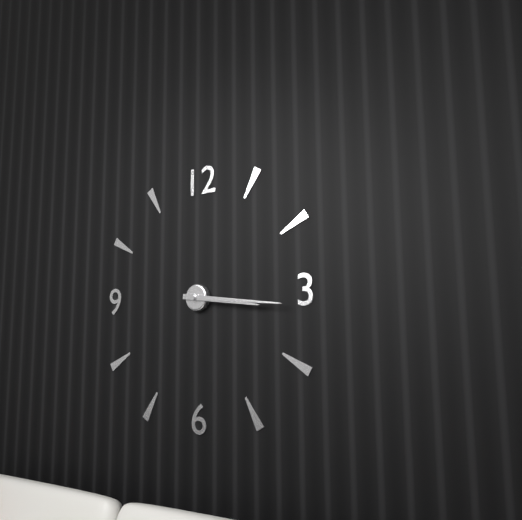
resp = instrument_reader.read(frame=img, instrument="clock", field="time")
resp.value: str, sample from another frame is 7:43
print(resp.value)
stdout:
3:16
